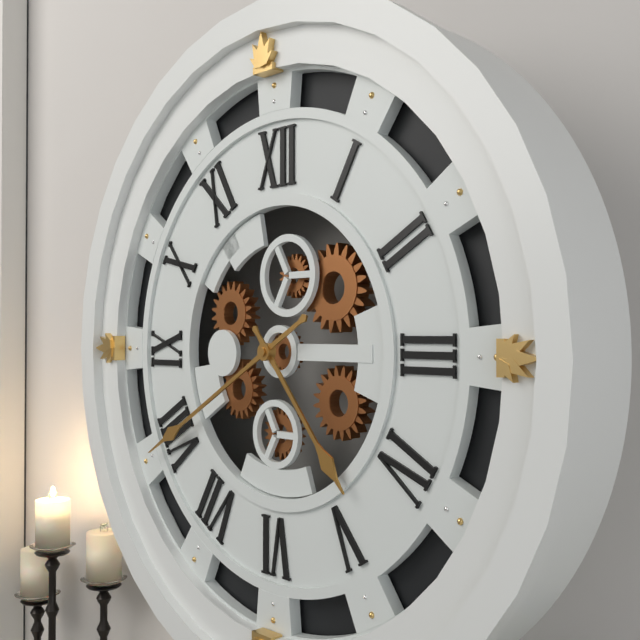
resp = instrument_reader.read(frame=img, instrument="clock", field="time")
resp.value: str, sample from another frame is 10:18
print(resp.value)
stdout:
4:40
